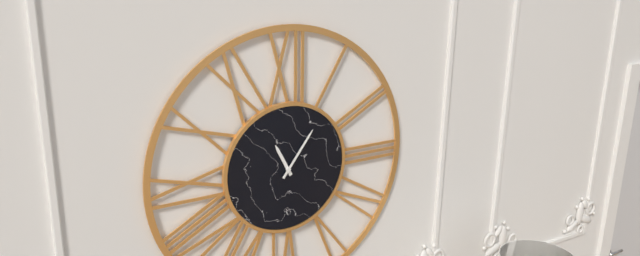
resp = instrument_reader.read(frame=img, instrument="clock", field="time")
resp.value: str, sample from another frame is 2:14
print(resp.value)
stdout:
11:06
